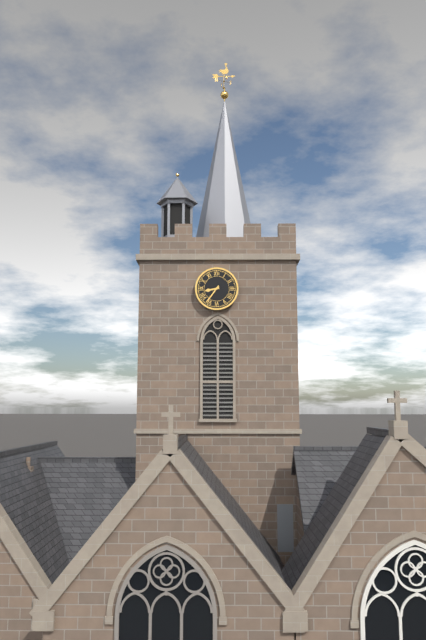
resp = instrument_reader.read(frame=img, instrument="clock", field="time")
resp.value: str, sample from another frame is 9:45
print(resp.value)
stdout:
8:36
